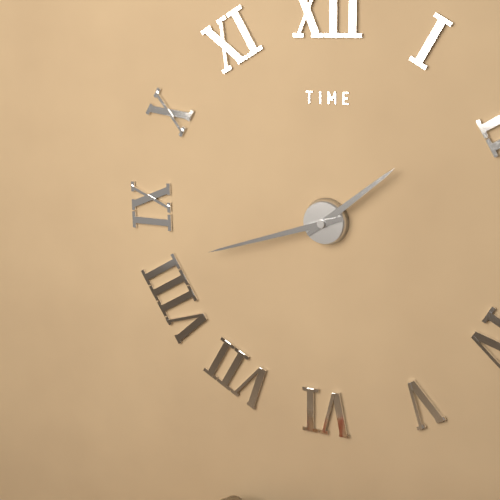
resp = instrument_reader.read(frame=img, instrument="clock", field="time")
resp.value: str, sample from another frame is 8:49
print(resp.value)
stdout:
1:42
